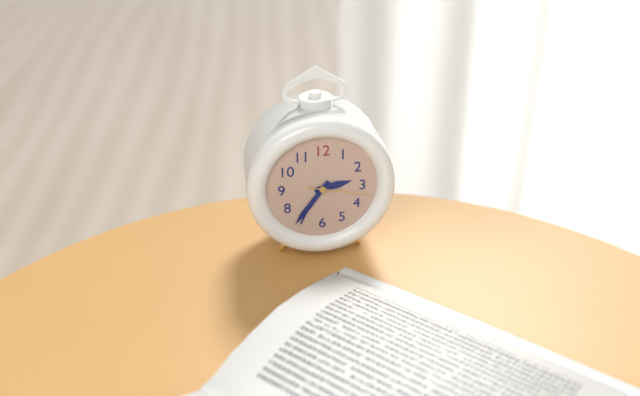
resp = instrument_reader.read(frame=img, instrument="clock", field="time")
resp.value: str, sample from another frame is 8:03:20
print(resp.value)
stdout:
2:36:17
